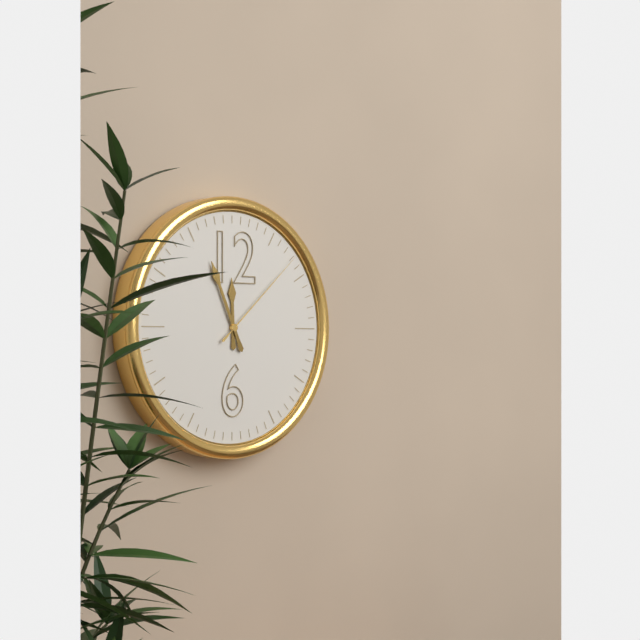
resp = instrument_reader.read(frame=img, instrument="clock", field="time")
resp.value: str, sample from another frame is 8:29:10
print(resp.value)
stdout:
11:56:08
